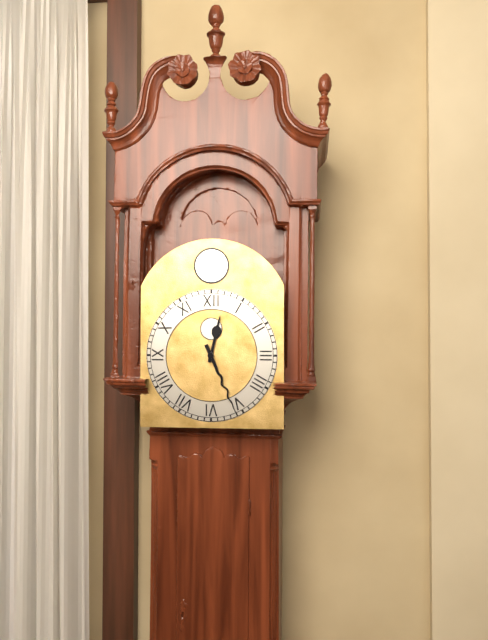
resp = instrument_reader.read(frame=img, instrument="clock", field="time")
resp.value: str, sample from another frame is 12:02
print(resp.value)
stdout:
12:26
